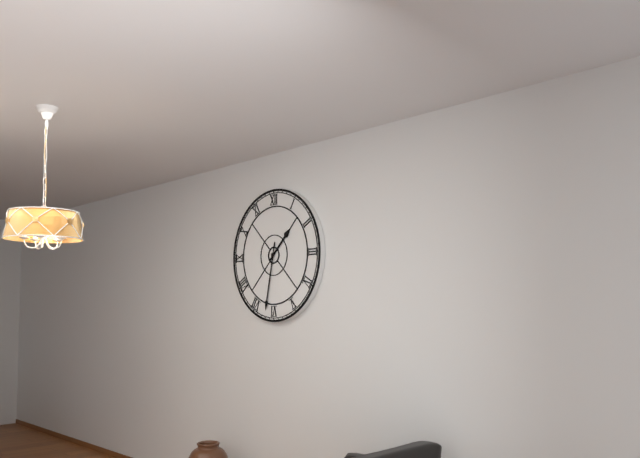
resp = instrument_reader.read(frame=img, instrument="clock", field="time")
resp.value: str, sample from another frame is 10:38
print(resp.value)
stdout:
1:32
